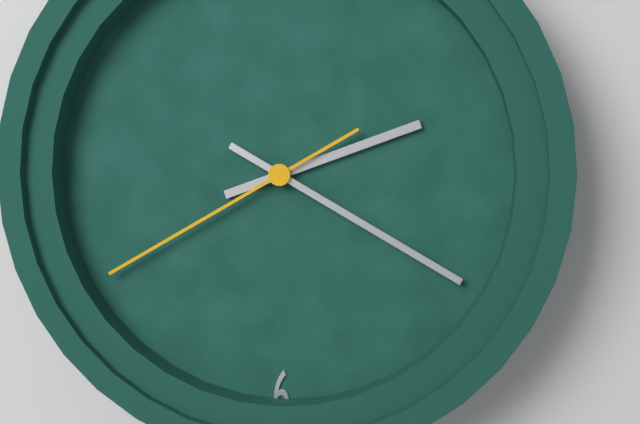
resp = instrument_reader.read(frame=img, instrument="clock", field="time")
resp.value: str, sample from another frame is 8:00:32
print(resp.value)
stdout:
2:20:40
